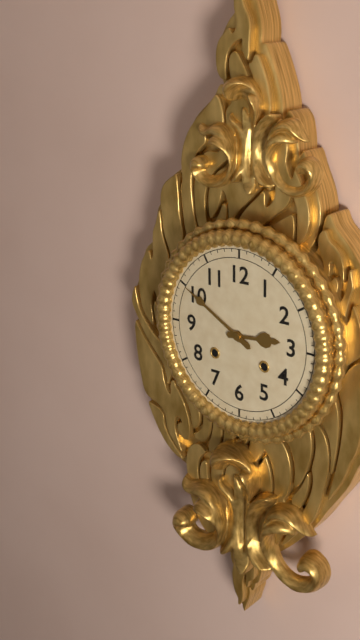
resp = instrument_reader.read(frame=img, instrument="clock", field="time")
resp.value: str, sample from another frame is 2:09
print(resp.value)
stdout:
2:50
